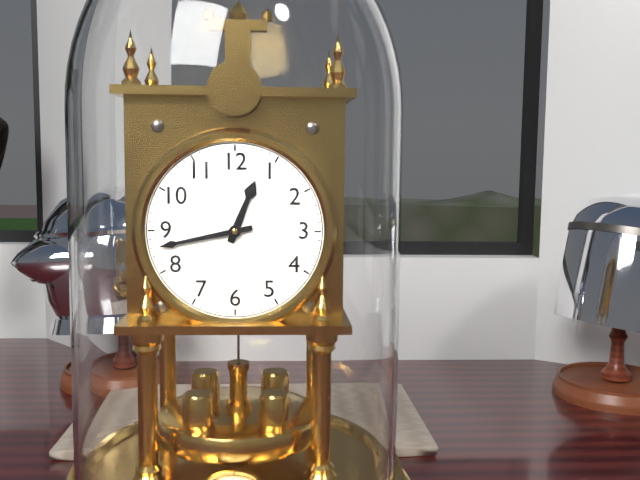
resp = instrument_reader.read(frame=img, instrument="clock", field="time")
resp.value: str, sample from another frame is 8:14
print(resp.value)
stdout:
12:43
